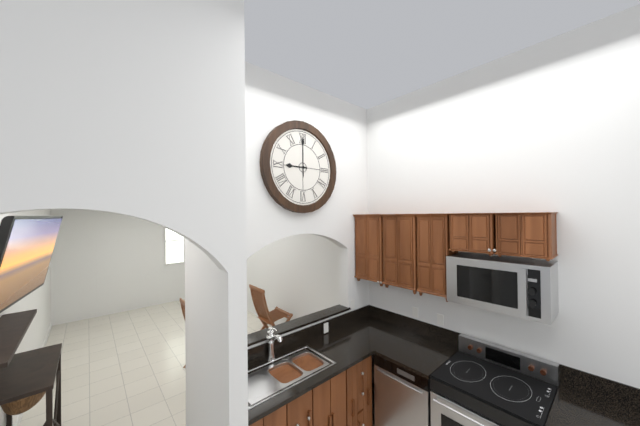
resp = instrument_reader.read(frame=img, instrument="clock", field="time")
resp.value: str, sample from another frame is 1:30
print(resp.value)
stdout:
9:00
